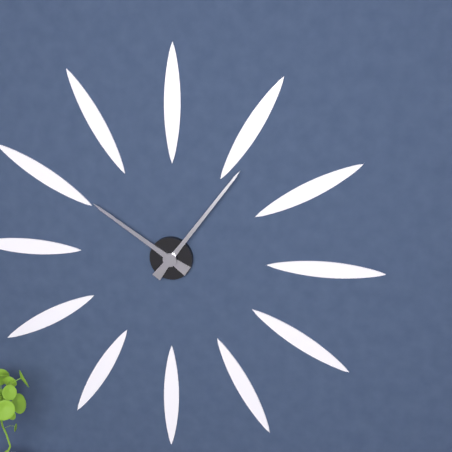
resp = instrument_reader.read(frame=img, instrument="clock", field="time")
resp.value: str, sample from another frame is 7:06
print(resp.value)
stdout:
10:06
